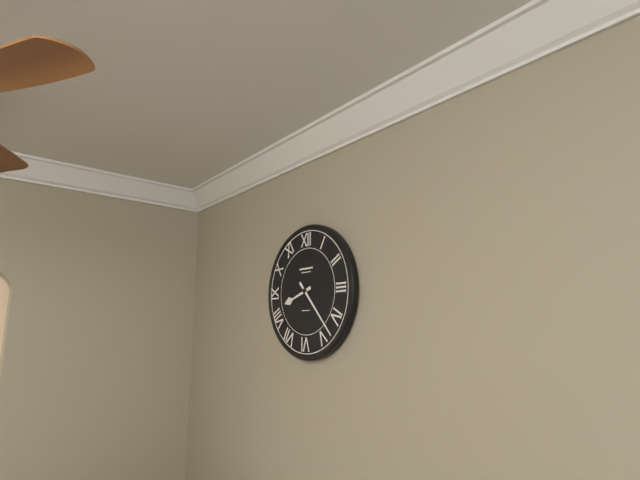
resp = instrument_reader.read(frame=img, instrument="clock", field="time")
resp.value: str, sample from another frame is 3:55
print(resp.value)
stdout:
8:23
